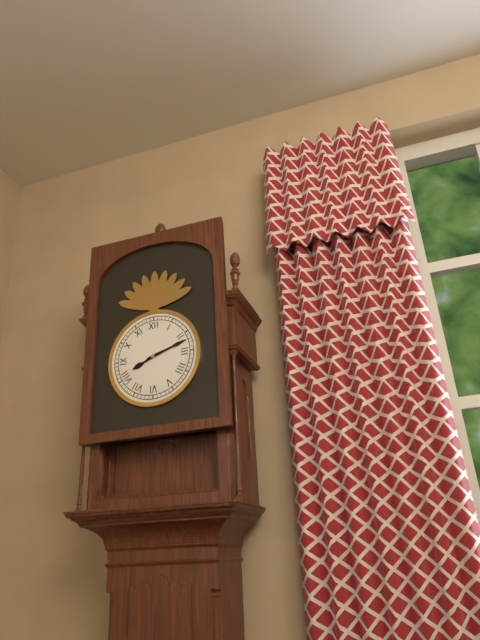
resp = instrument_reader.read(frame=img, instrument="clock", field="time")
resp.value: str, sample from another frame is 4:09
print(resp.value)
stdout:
8:12
